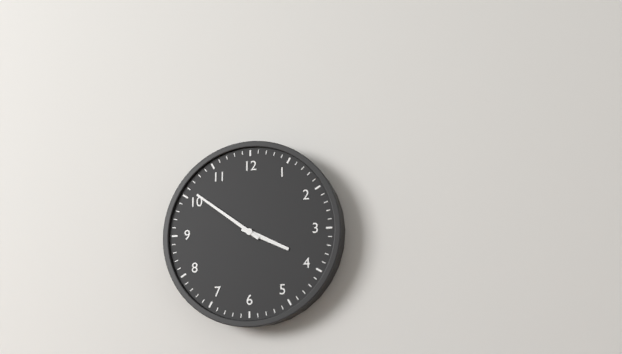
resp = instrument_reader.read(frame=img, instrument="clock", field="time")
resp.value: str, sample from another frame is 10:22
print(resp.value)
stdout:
3:51
